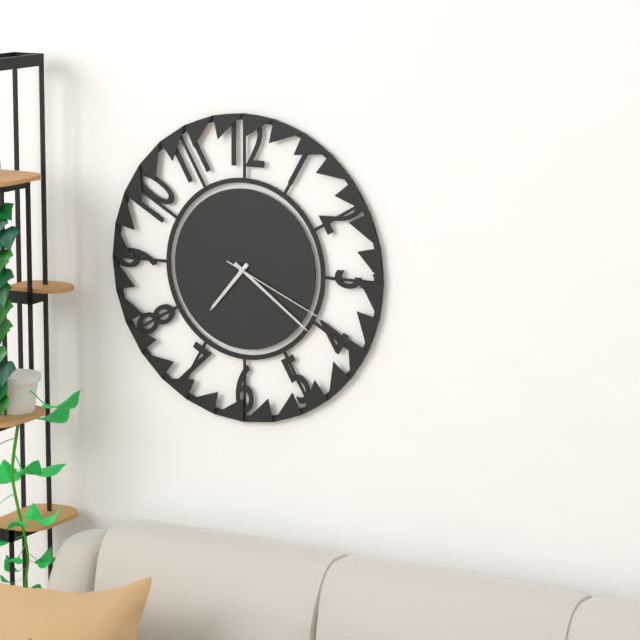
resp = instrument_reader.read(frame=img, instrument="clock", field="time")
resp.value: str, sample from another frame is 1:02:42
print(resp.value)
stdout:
7:21:19
